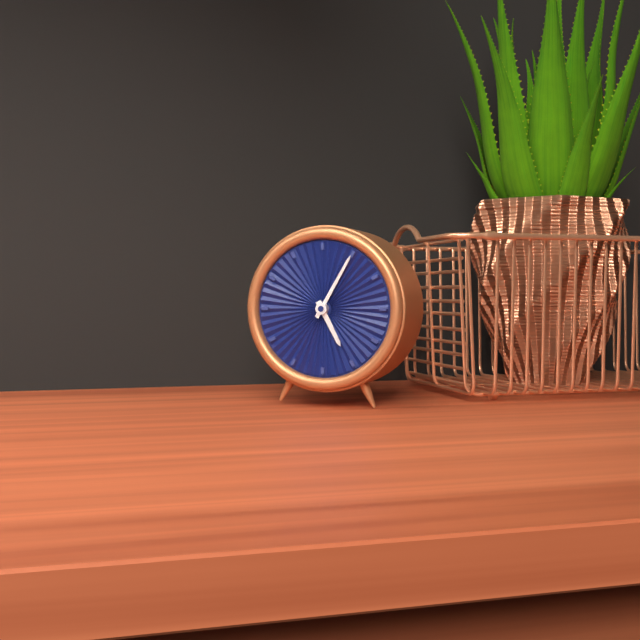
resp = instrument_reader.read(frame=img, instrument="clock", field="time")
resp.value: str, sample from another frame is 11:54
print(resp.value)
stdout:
5:05
